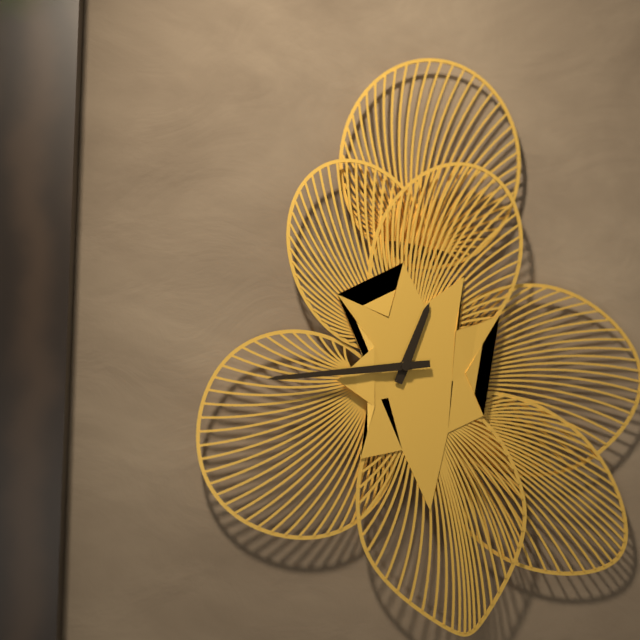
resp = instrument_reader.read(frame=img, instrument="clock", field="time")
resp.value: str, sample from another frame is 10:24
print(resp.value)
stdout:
12:44
